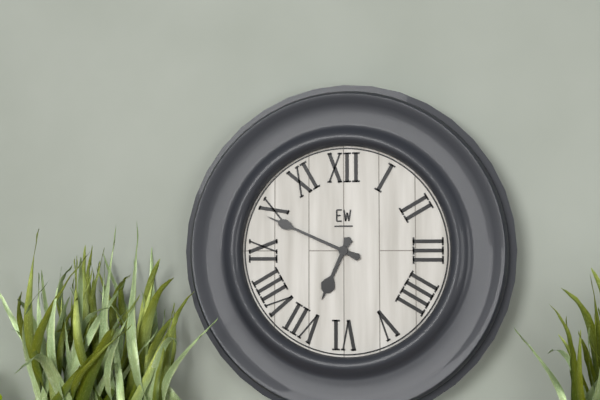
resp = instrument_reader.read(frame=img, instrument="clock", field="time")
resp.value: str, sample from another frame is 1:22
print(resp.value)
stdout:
6:49
